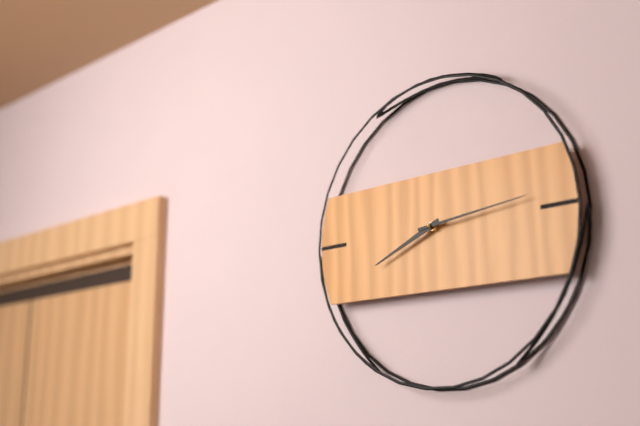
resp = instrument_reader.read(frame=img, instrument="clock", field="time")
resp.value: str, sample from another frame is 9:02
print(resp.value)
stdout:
8:14
